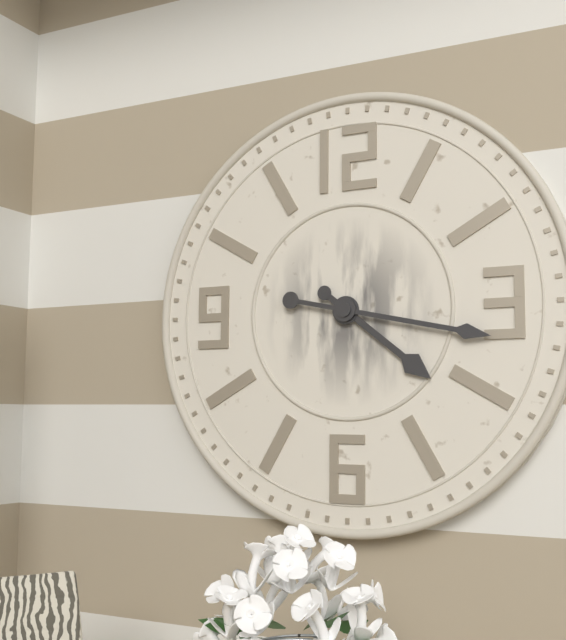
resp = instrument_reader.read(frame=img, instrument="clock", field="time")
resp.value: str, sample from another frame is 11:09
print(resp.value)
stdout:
4:17
